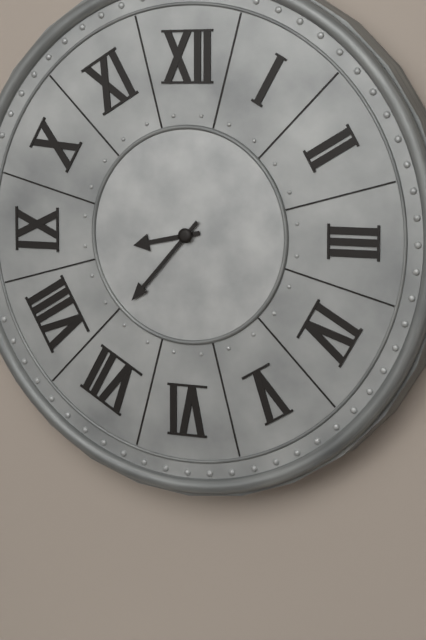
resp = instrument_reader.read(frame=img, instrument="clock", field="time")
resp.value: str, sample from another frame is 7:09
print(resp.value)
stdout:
8:37
